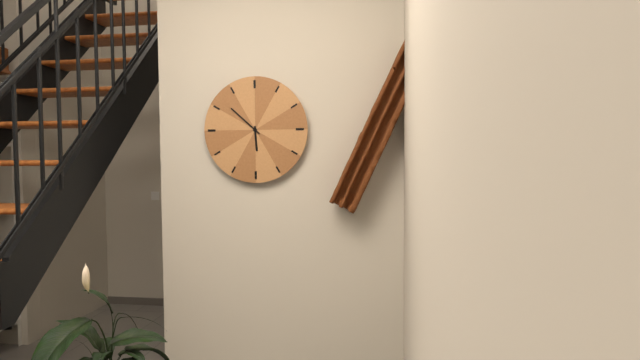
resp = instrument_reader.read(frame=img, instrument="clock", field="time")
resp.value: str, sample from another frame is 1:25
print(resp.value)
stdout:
5:52
